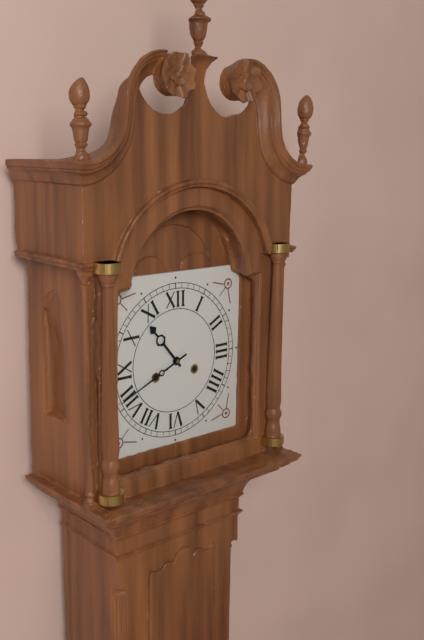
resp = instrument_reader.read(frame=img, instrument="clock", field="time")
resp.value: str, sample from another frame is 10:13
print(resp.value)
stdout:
10:41
